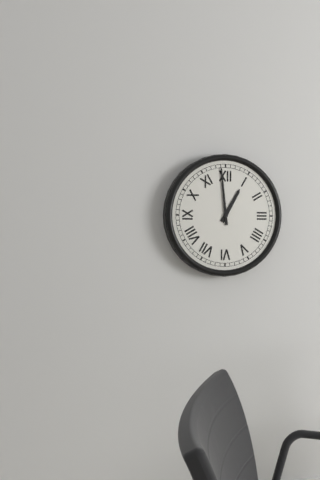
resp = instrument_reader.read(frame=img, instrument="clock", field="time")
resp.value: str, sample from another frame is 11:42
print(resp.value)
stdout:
12:59
